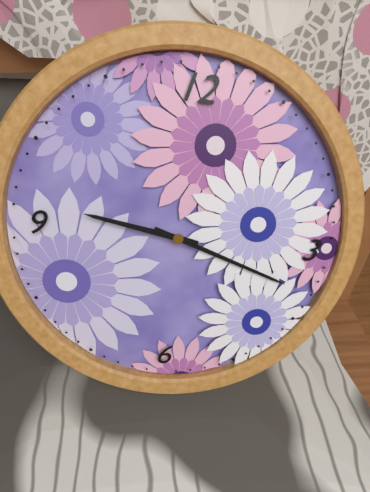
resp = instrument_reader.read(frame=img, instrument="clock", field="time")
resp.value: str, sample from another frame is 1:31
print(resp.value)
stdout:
9:18
